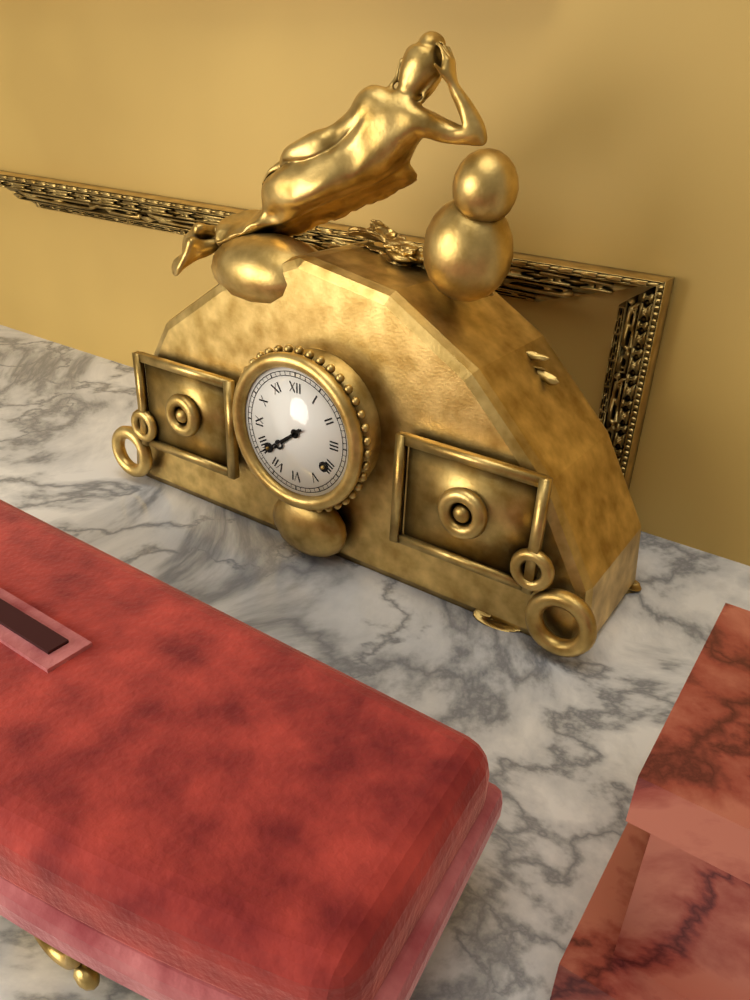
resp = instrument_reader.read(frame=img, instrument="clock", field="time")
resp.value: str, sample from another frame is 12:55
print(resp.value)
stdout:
7:39
